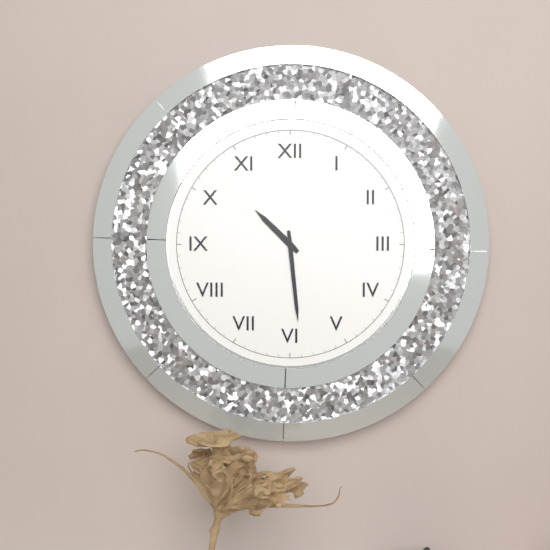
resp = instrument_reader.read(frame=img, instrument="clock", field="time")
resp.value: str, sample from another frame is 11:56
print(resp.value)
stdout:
10:29
